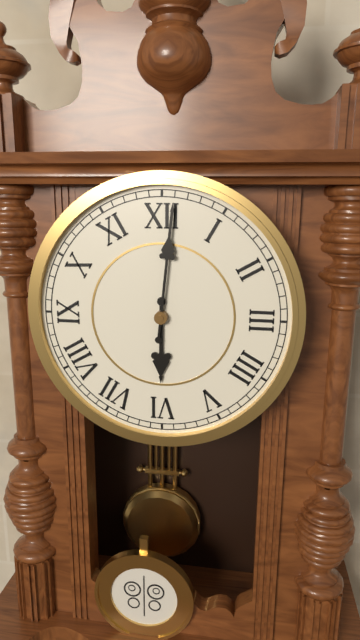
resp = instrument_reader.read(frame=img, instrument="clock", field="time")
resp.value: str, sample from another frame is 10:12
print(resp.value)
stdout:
6:01
